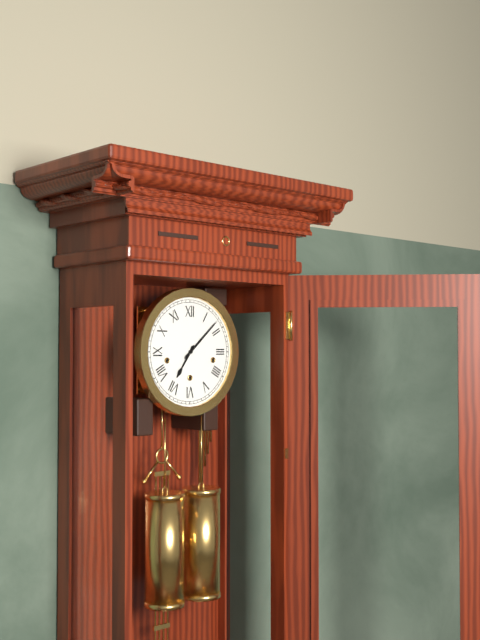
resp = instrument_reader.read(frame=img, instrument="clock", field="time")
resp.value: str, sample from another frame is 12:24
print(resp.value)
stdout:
7:08
